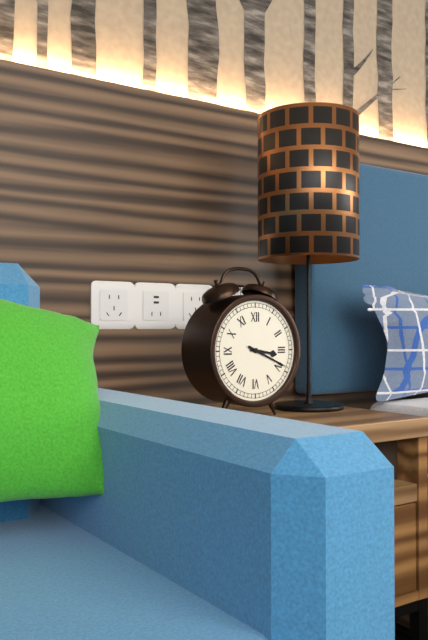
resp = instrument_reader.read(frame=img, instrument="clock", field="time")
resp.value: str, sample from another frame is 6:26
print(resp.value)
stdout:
3:19
